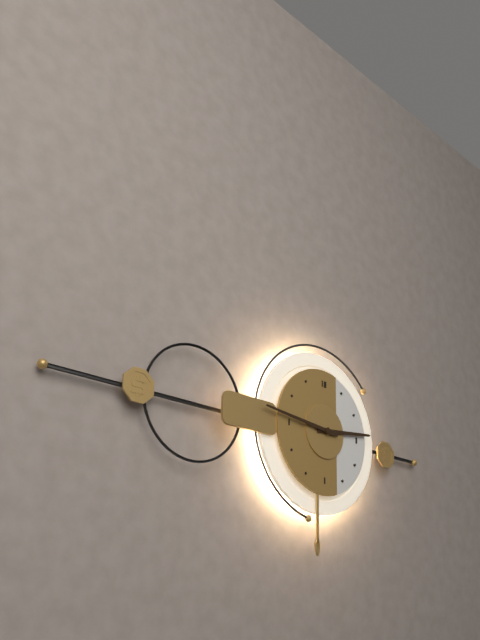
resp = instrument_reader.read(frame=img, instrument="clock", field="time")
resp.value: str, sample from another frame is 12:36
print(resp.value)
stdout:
2:46
